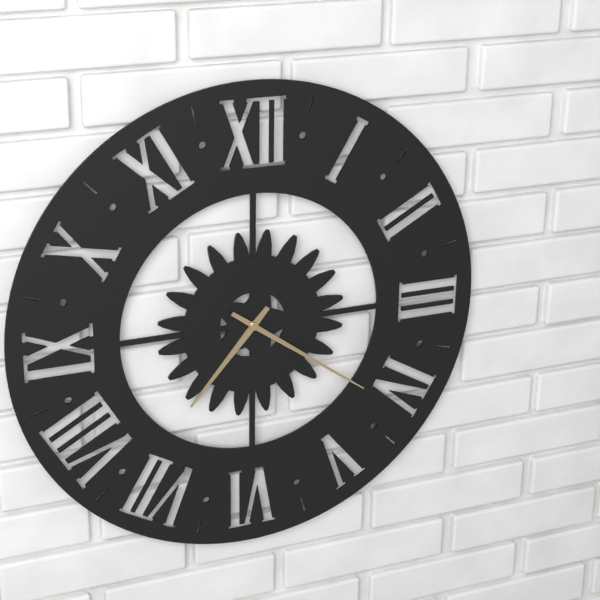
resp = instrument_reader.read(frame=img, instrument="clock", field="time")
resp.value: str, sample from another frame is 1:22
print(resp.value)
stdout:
7:21
